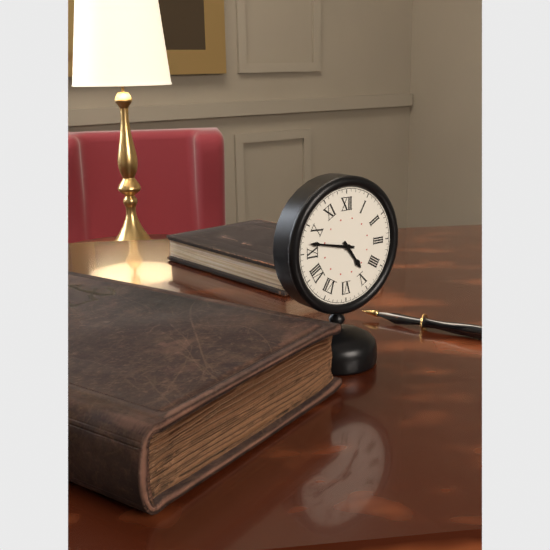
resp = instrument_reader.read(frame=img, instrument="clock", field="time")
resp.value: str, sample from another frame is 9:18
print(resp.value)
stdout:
4:47
